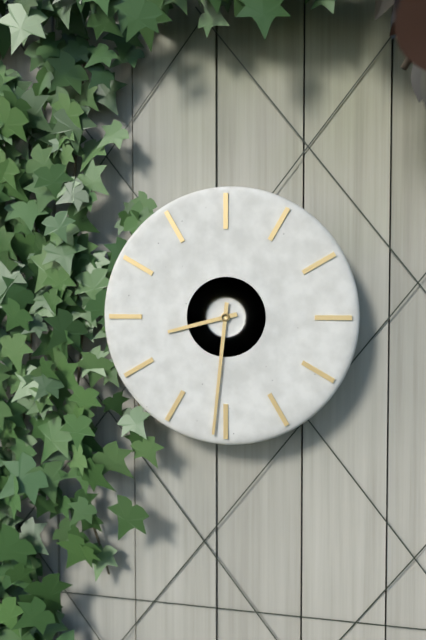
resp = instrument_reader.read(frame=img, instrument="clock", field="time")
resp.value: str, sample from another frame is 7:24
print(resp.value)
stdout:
8:31
